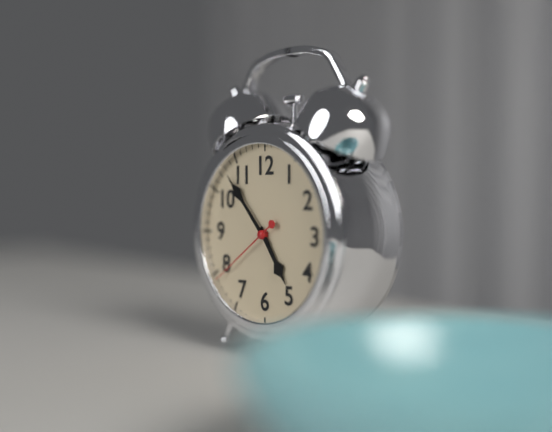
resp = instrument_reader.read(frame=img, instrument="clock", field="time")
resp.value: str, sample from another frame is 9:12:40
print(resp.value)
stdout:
4:53:39
